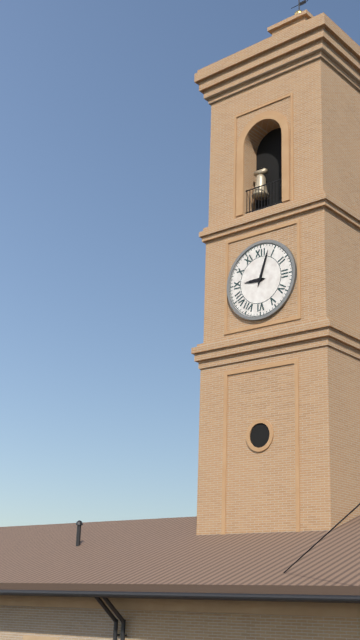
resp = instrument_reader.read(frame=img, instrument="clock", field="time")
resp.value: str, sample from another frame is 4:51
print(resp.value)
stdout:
9:03
